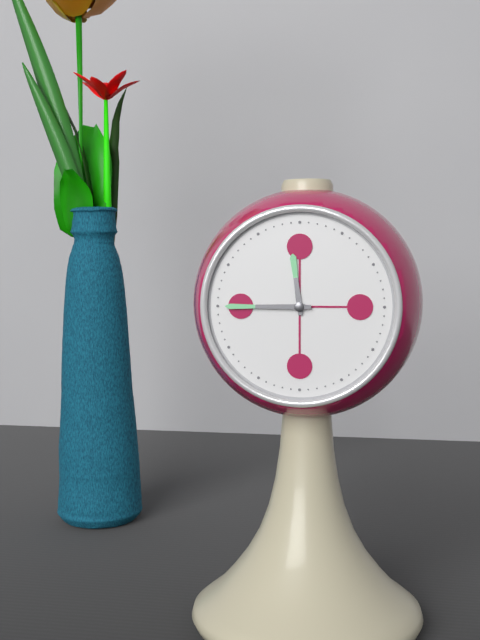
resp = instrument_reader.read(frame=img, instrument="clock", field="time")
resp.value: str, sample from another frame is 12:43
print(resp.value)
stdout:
11:45
